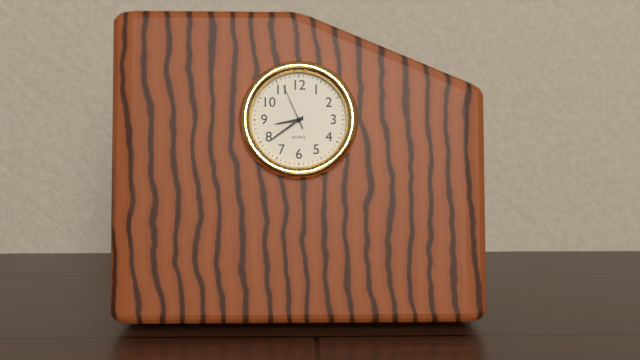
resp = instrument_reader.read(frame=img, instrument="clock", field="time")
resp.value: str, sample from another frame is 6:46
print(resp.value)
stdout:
8:39
